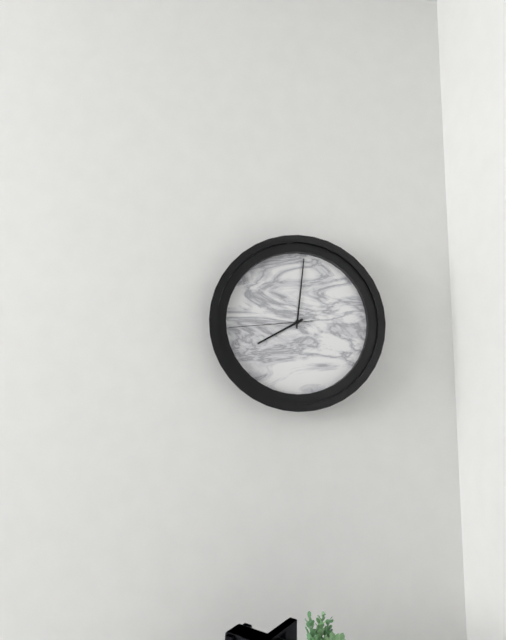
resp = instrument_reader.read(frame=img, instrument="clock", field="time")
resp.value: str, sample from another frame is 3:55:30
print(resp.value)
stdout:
8:01:44
